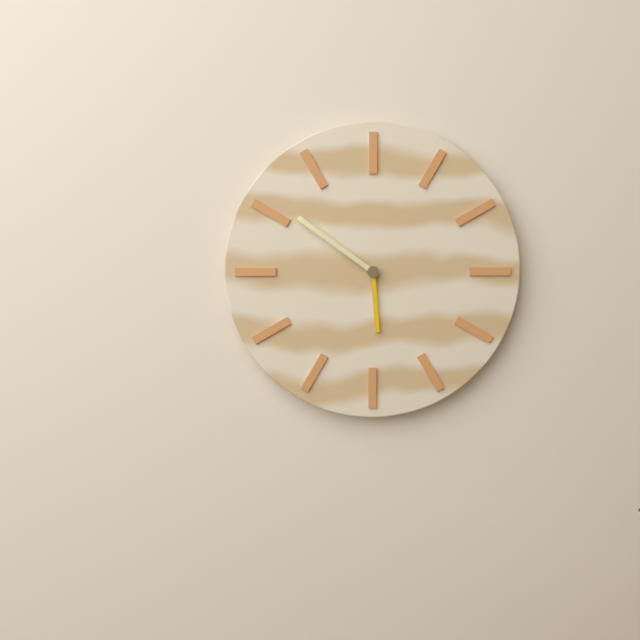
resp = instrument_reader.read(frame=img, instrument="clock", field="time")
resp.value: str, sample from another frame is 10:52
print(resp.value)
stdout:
5:51
